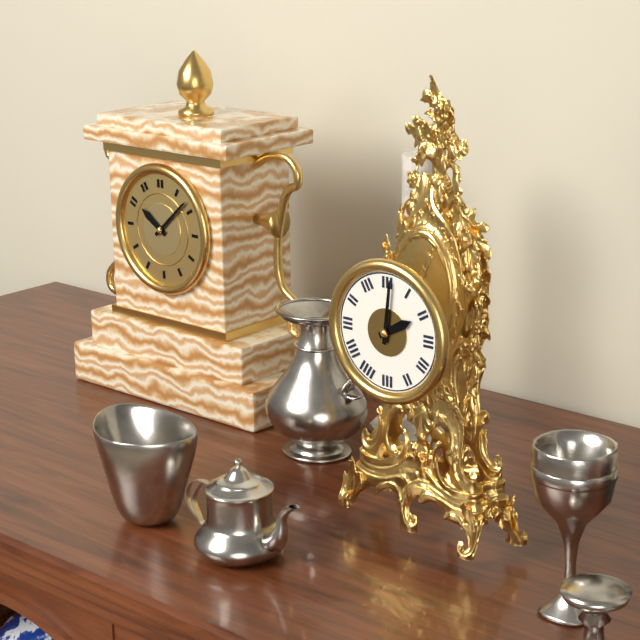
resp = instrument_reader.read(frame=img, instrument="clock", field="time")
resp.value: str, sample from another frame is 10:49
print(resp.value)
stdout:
2:01
